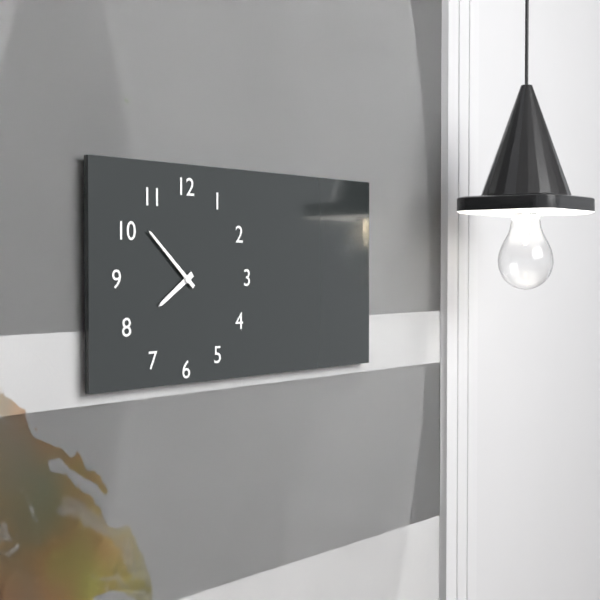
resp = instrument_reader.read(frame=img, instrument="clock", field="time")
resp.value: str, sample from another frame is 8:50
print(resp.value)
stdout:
7:52
